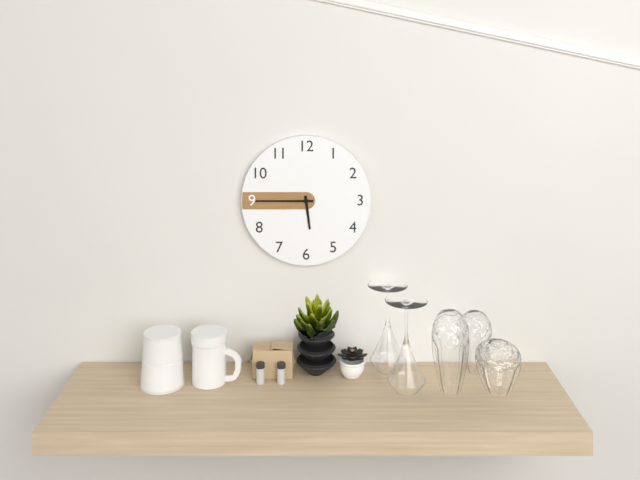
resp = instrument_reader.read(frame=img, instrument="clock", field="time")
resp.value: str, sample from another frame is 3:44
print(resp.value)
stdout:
5:45
